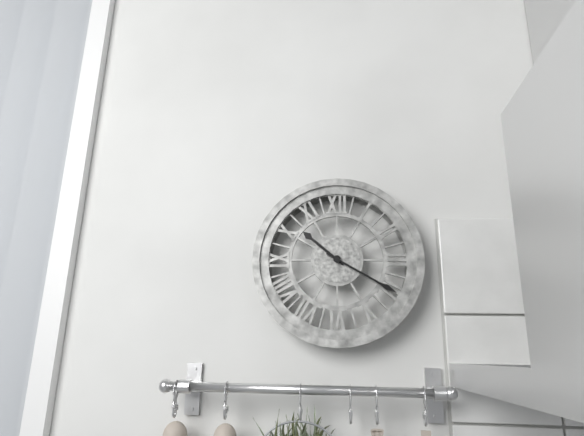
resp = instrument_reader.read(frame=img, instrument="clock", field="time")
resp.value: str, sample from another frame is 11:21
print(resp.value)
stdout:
10:20
